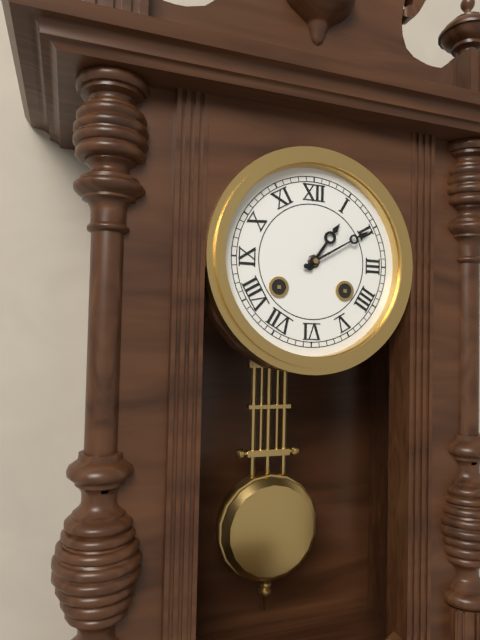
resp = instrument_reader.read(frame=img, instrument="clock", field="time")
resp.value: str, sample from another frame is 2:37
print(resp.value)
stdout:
1:10
